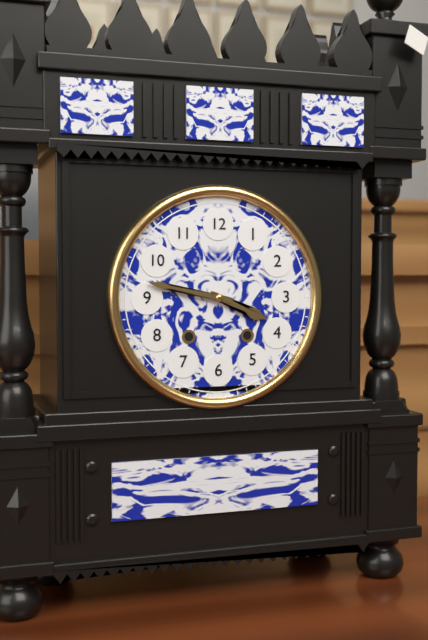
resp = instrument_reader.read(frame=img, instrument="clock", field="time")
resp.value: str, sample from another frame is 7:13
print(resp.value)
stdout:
3:47
